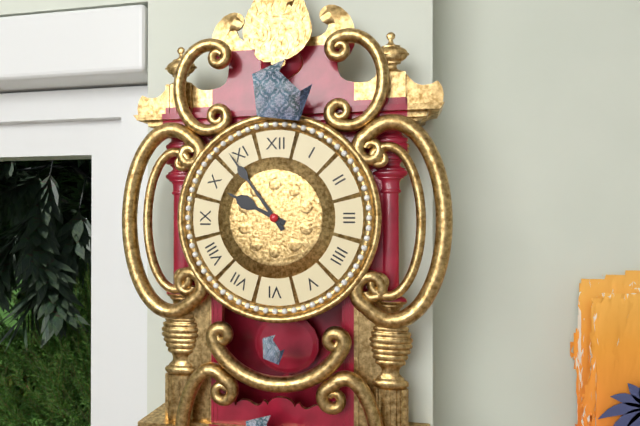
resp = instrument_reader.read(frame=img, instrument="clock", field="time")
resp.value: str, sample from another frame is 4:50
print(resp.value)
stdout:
9:54
